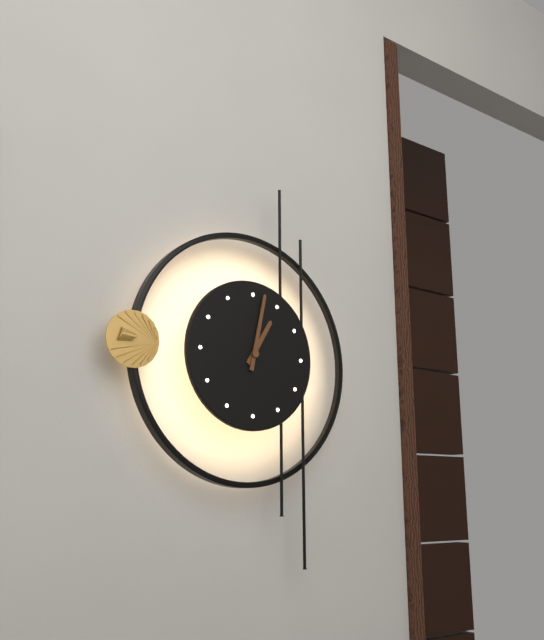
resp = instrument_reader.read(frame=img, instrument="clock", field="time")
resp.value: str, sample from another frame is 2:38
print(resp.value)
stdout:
1:02
